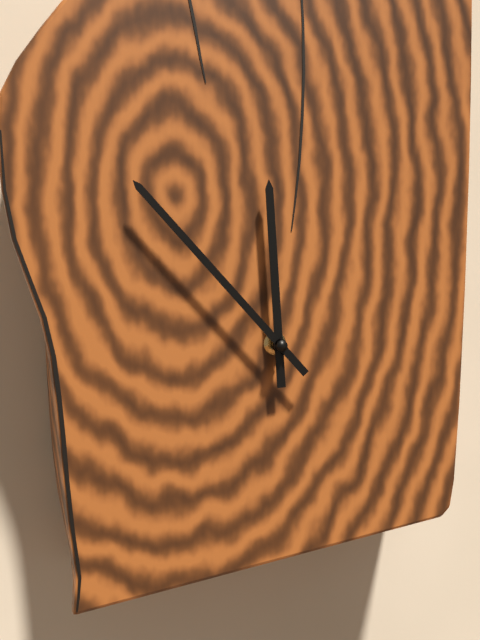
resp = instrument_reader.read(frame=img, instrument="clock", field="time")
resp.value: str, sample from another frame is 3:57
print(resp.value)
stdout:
11:53
